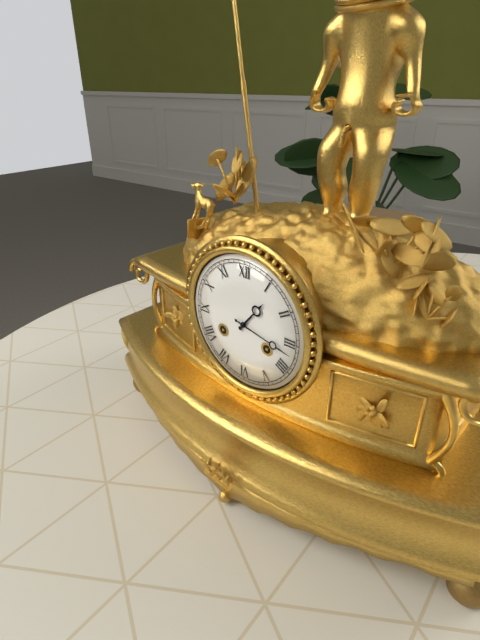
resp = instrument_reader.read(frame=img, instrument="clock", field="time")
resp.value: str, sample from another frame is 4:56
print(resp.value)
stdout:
1:17
